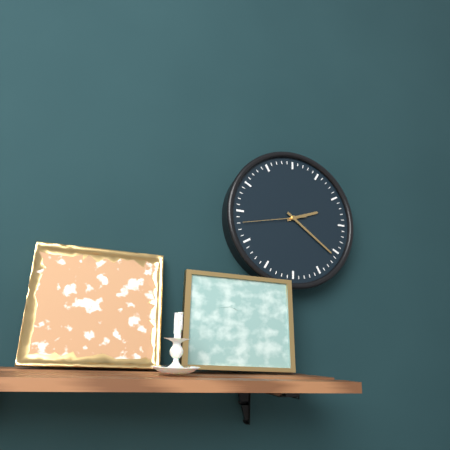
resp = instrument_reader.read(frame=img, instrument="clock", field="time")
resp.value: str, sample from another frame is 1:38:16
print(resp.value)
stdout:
2:21:43
